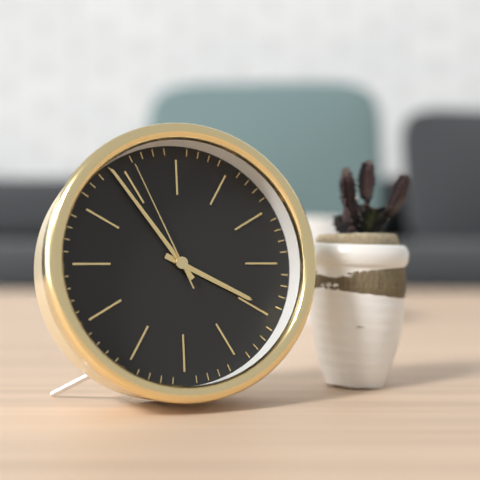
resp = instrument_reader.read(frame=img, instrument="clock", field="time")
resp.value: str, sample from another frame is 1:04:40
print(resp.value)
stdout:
3:54:56
